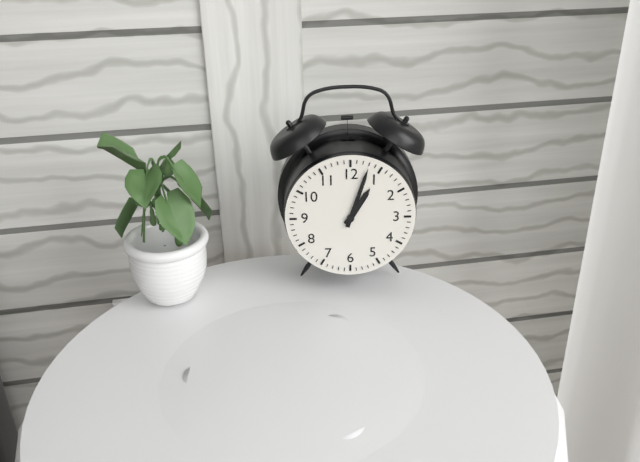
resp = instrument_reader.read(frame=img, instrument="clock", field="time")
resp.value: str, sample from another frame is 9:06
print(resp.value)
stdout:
1:03
